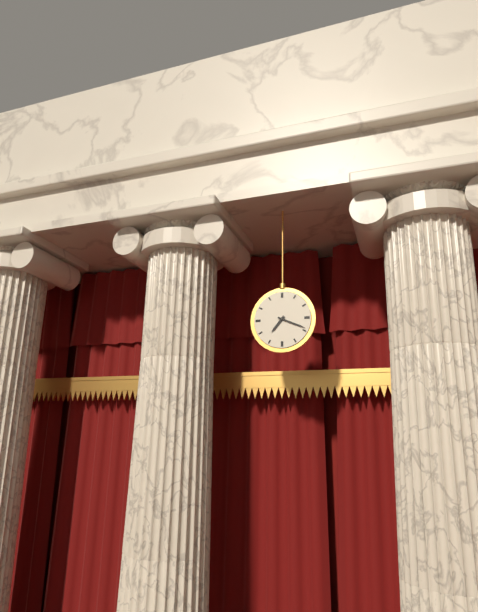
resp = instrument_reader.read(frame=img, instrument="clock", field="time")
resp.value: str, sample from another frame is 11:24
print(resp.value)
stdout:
7:19
